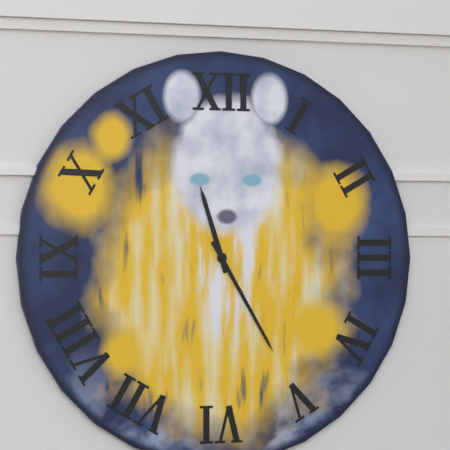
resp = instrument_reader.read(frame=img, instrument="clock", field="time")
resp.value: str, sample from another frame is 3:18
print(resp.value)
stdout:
11:25
